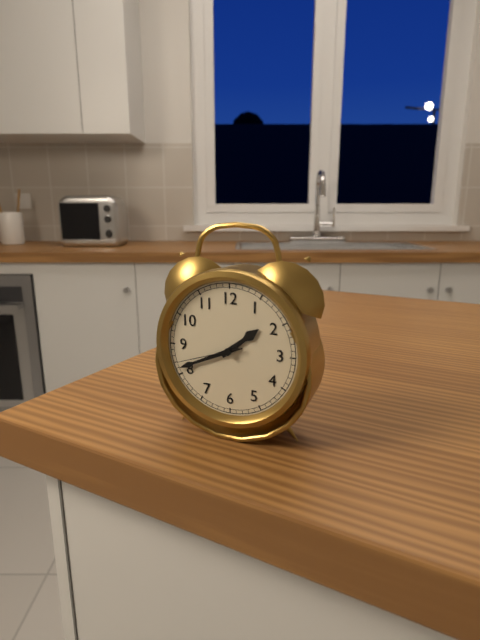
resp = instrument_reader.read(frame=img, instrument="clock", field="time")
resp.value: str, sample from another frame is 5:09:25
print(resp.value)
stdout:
1:41:42
